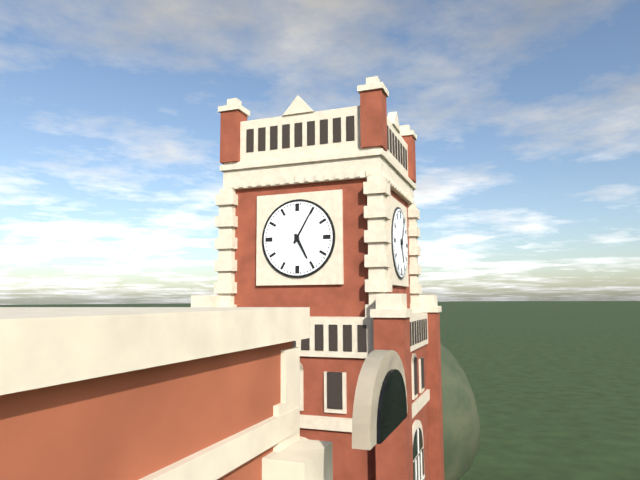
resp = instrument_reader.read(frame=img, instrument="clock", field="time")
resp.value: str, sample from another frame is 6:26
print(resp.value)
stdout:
5:05
